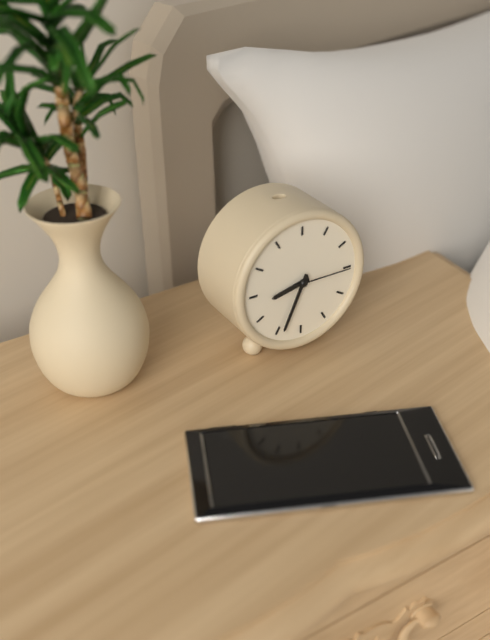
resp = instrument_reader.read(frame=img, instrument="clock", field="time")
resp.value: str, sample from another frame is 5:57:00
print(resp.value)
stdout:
8:34:15
